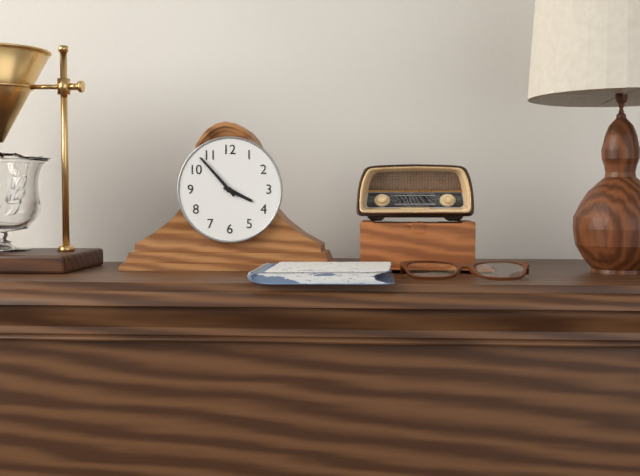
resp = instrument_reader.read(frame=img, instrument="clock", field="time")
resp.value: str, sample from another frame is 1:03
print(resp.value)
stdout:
3:53
